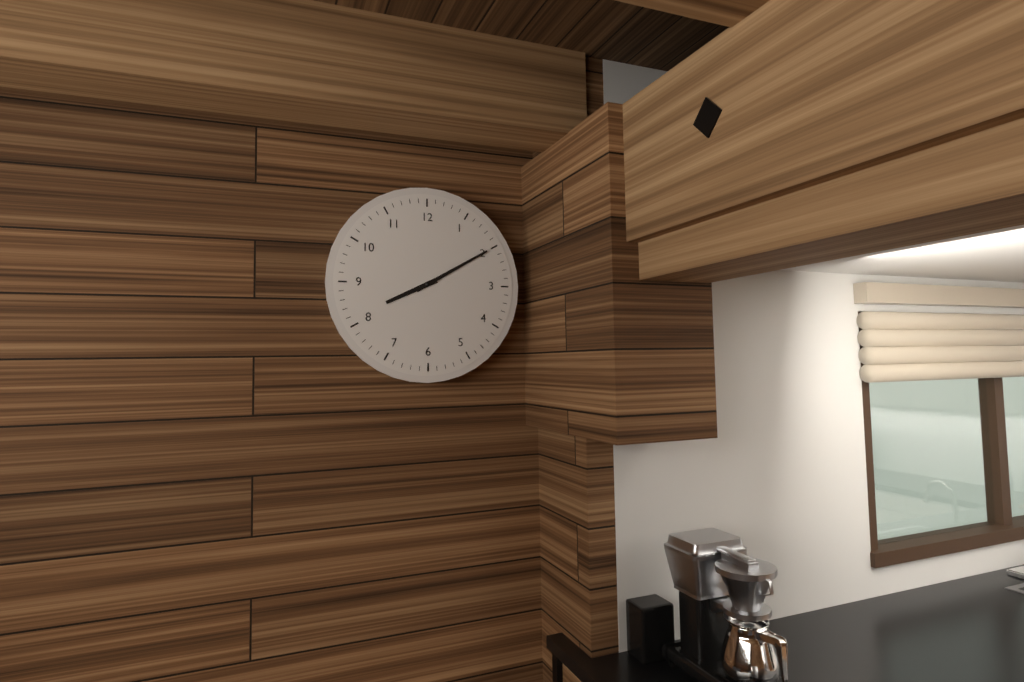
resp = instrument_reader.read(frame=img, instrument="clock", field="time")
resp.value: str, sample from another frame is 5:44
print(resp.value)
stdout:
8:10
